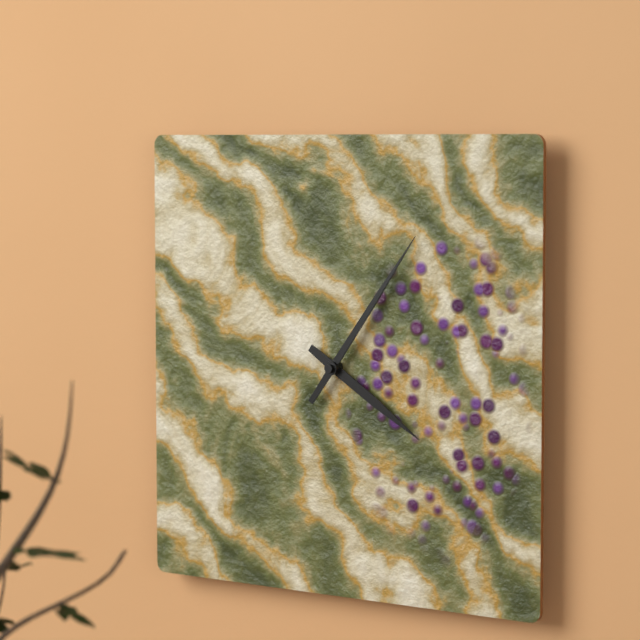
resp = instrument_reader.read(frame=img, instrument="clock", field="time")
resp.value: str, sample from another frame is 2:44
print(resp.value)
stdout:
4:06
